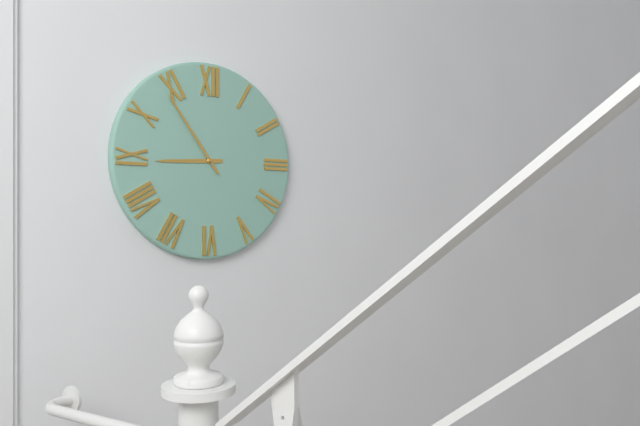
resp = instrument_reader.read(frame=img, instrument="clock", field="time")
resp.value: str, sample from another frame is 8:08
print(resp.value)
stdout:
8:54
